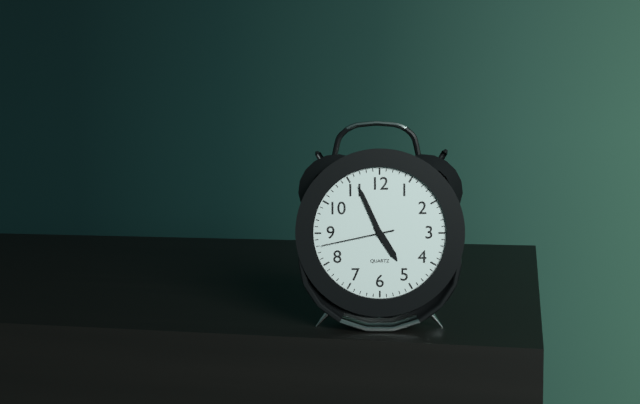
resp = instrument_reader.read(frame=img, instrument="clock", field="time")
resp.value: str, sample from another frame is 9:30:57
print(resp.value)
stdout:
4:56:43
